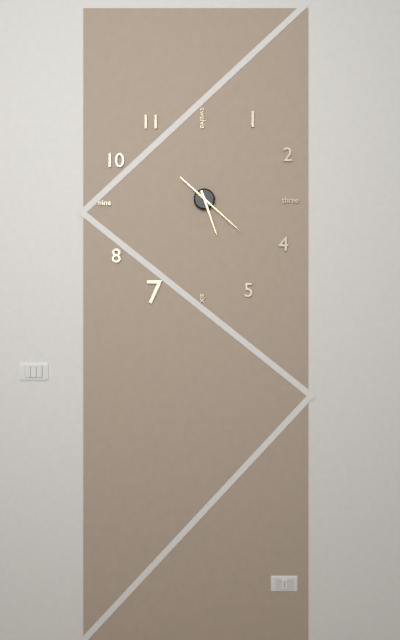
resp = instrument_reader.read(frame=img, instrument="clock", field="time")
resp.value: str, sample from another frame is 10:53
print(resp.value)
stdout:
5:22
